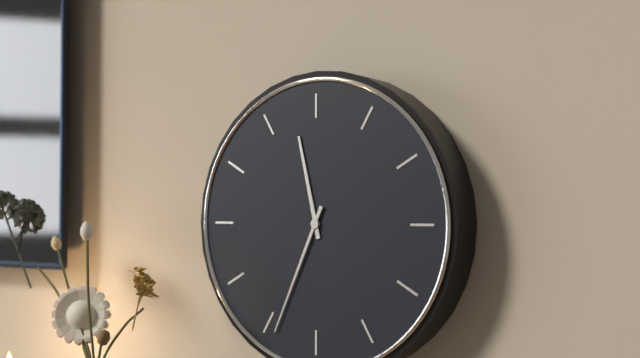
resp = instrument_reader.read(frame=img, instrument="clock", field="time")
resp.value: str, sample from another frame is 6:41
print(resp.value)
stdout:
11:34
